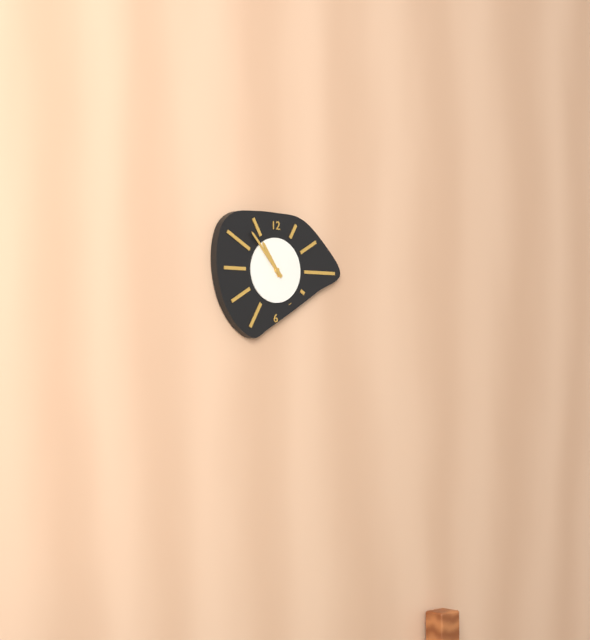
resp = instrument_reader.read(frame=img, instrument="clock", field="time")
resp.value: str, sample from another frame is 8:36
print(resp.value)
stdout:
10:53
